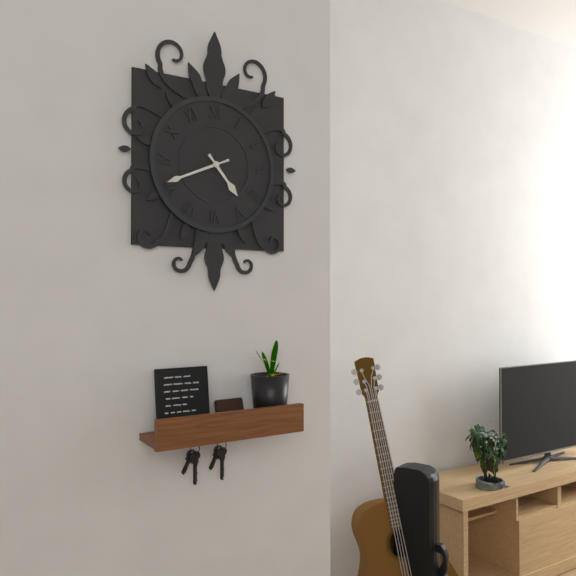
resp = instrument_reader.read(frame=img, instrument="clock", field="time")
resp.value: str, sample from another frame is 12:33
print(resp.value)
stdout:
4:41
